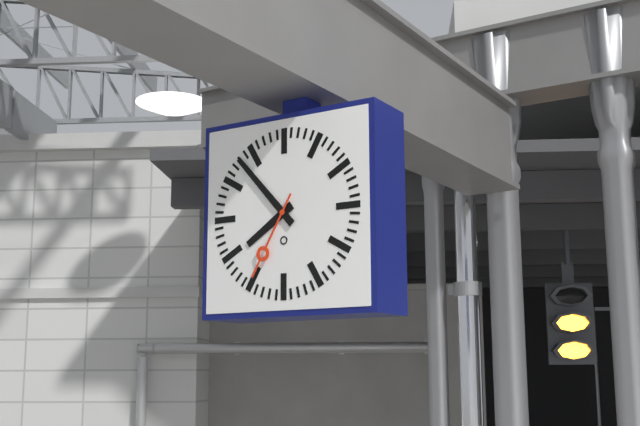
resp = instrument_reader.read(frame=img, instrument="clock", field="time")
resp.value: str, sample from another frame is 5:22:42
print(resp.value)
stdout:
7:53:35
